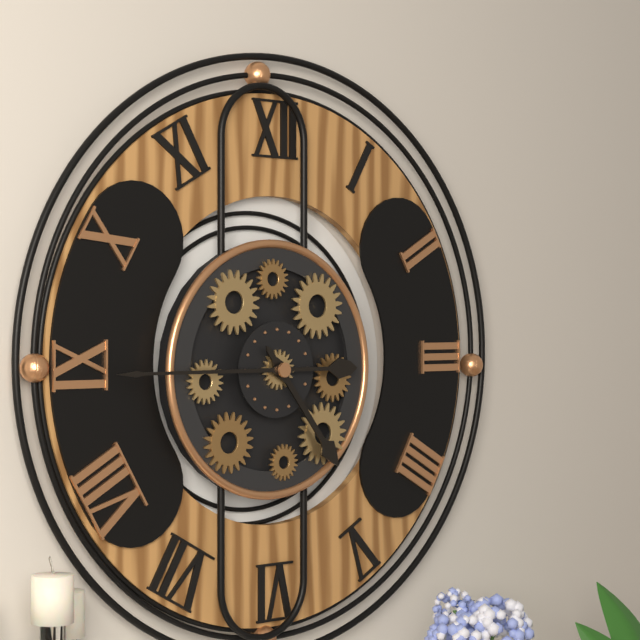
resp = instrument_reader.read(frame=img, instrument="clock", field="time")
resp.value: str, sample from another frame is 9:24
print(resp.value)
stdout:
4:45
